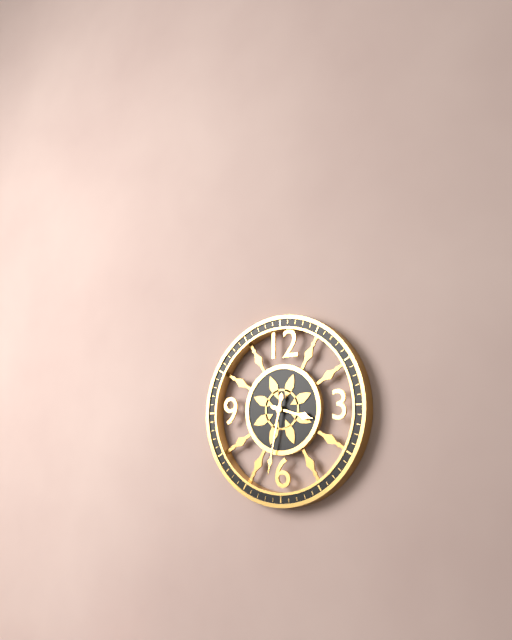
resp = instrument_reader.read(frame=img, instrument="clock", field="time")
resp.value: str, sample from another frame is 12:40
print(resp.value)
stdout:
3:32
